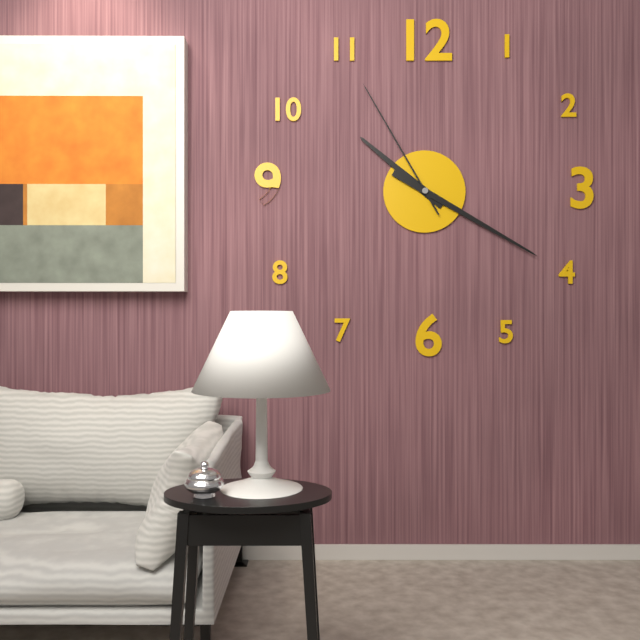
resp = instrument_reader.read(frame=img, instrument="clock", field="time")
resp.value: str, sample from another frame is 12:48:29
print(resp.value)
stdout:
10:20:55
